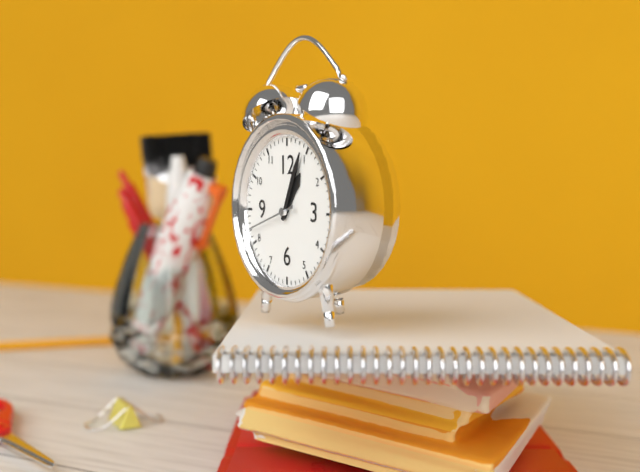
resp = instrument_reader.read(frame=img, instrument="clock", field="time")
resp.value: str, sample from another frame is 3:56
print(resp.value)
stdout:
1:04
